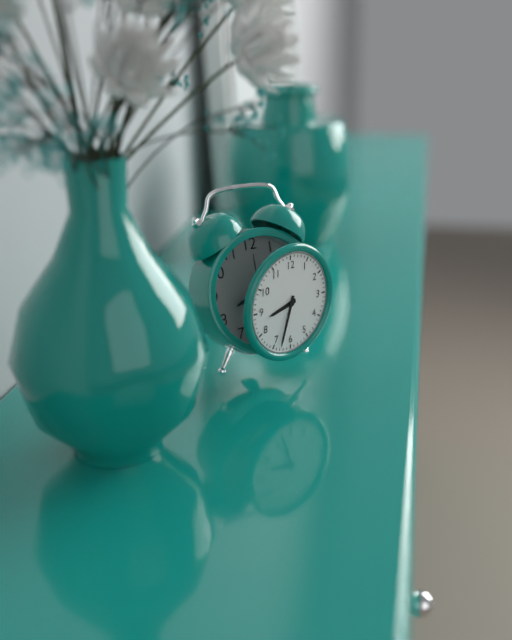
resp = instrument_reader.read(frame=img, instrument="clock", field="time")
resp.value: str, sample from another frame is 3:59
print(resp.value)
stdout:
8:33
